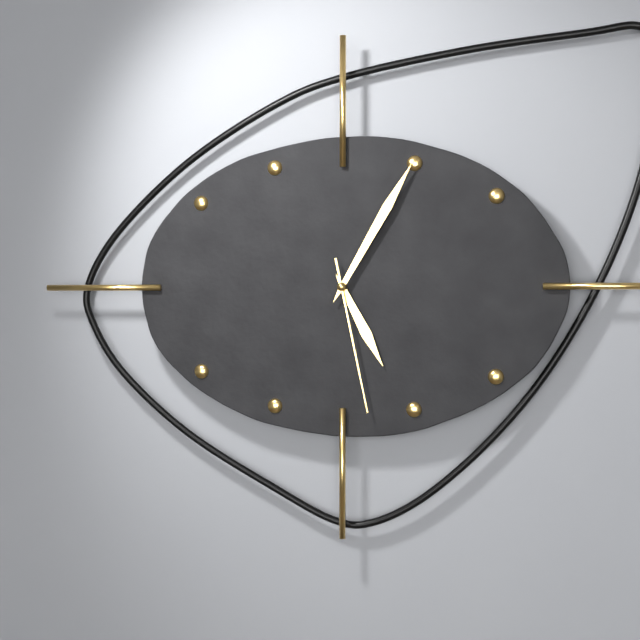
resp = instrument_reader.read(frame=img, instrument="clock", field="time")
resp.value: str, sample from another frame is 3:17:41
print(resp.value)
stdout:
5:05:28
